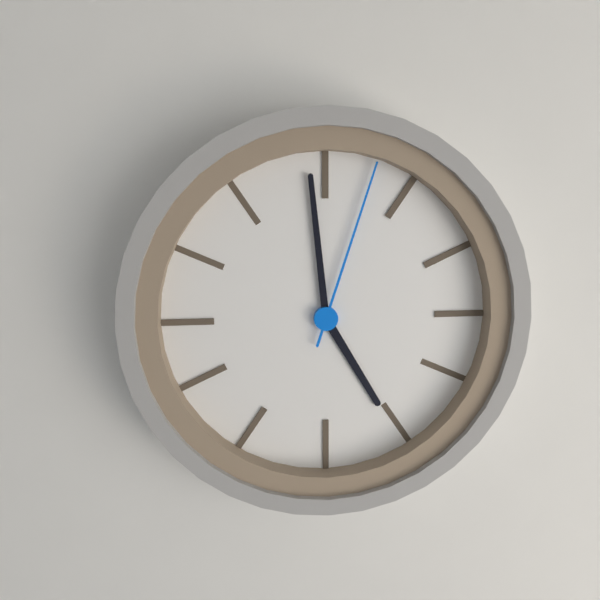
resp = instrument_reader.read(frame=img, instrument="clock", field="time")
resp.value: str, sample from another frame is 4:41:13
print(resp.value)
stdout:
4:59:03
